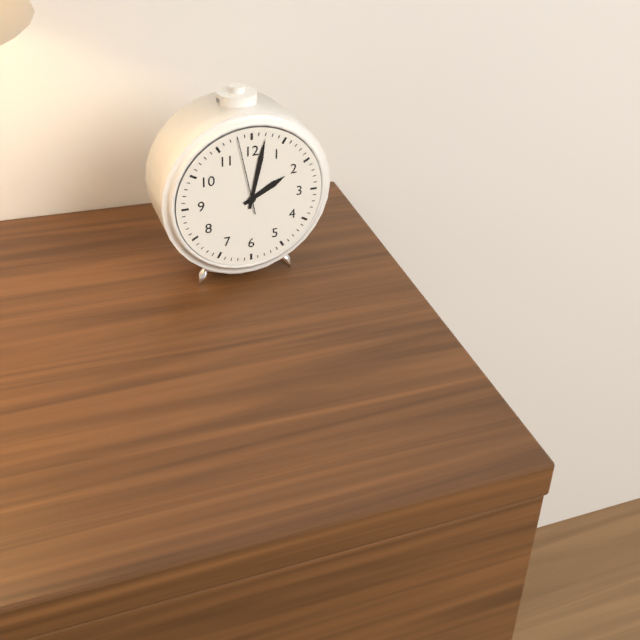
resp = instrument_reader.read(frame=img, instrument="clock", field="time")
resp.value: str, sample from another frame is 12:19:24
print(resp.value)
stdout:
2:02:58
